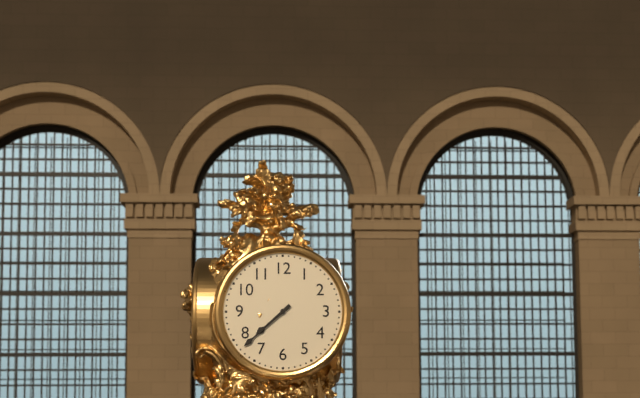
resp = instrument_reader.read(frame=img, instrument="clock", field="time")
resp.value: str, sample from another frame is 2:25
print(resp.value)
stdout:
7:38
